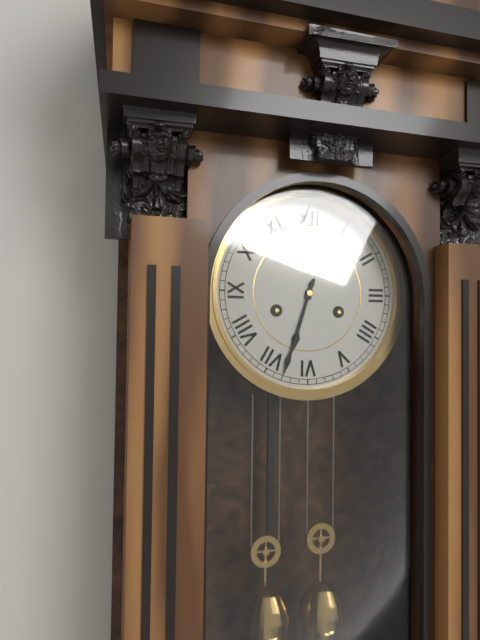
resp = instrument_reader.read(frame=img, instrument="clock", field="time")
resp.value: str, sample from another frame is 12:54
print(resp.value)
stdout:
6:33
